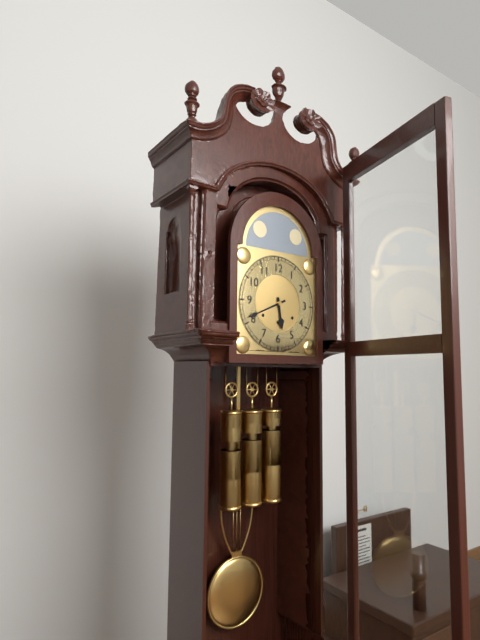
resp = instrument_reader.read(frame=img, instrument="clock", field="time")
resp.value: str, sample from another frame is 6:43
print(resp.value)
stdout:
5:41
